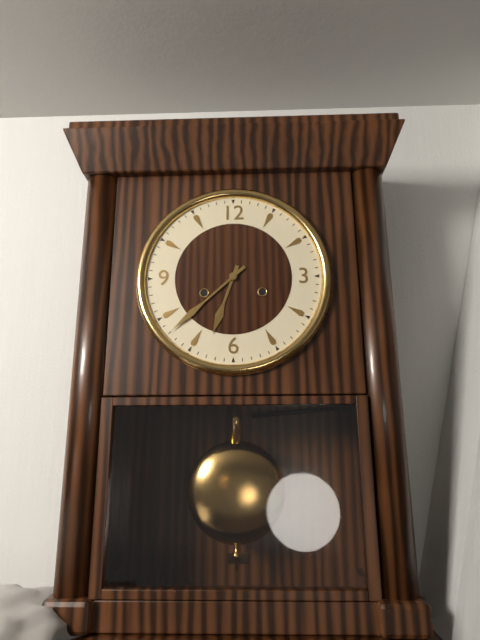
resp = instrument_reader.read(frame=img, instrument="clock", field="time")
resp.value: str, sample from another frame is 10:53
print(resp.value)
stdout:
6:38
